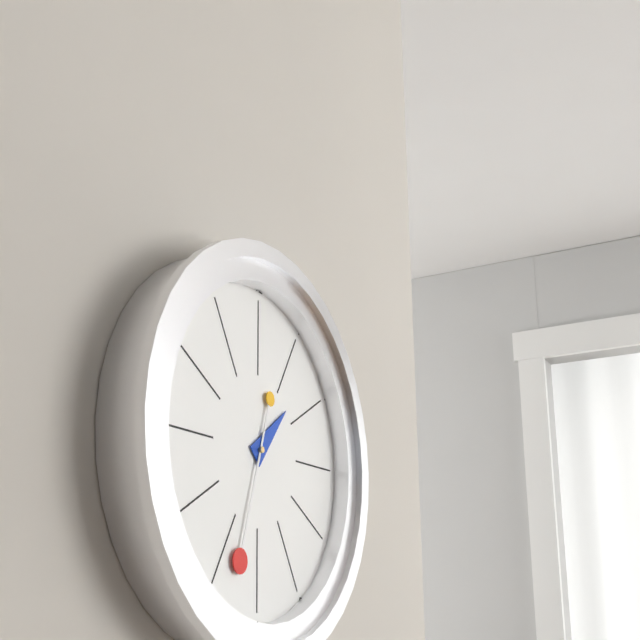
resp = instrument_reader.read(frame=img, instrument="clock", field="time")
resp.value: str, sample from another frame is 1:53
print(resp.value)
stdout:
1:33
